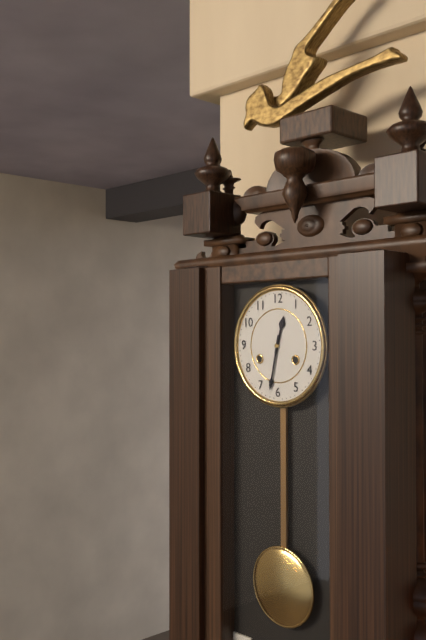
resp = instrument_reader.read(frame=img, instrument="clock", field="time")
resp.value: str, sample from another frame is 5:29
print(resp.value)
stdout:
12:32
